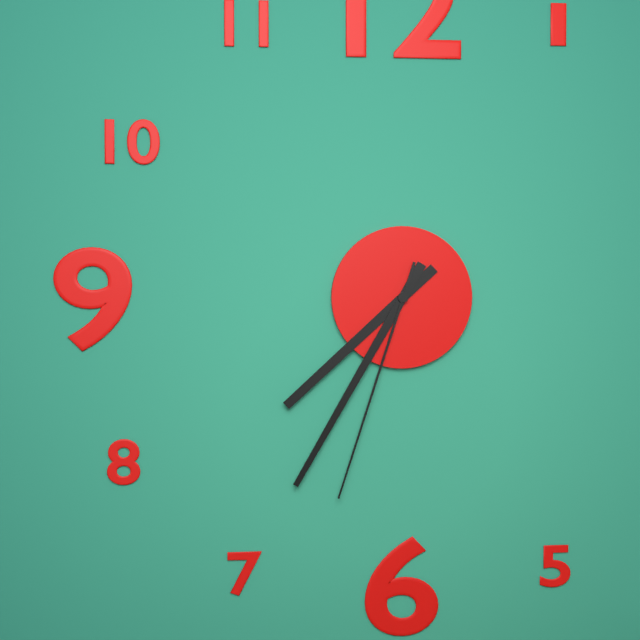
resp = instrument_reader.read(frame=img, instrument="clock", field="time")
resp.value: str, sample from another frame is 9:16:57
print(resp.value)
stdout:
7:35:33
